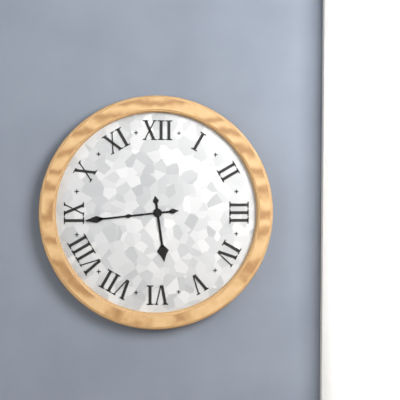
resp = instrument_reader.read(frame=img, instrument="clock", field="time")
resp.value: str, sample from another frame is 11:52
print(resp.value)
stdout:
5:44
